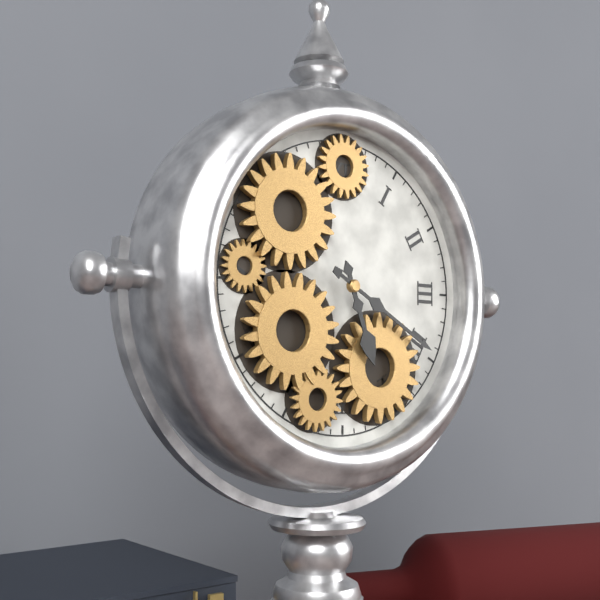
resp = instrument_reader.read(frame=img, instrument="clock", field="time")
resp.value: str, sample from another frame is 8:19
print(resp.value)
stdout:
5:20
